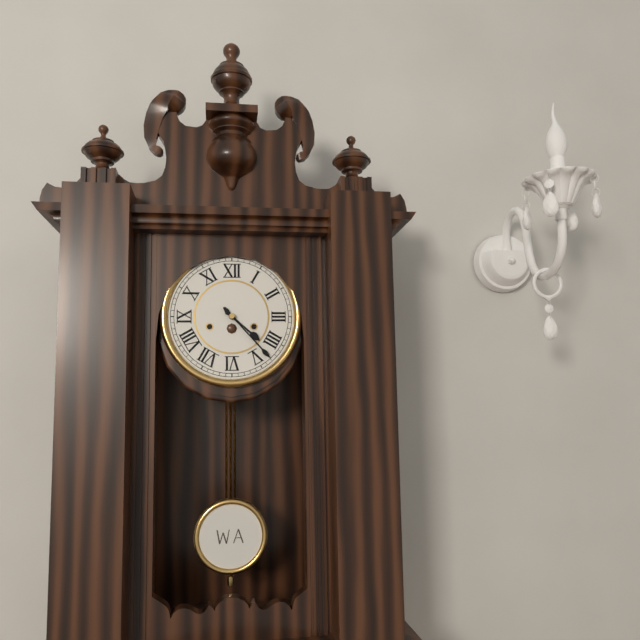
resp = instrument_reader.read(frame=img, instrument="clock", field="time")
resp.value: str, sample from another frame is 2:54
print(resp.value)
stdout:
4:23
